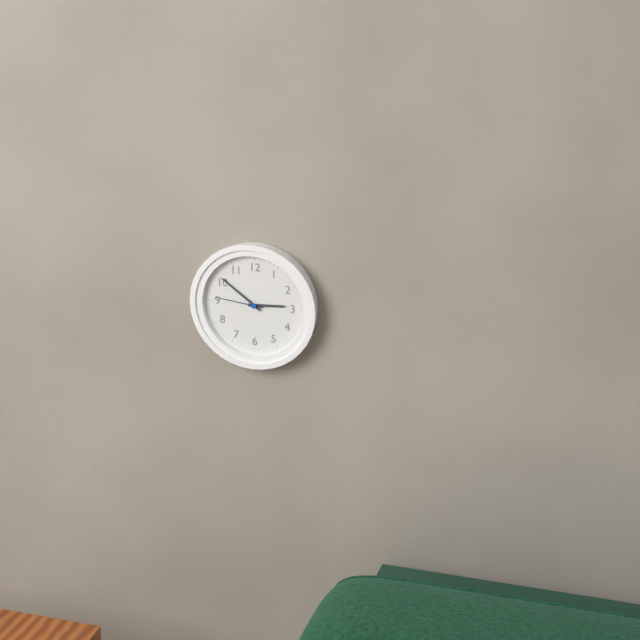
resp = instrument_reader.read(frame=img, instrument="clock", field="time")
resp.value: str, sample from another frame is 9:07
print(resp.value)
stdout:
2:51
